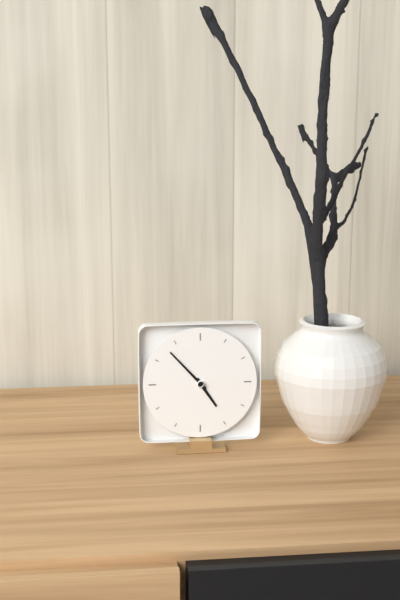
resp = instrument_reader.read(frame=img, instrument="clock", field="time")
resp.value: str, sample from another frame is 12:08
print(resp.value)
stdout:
4:53
